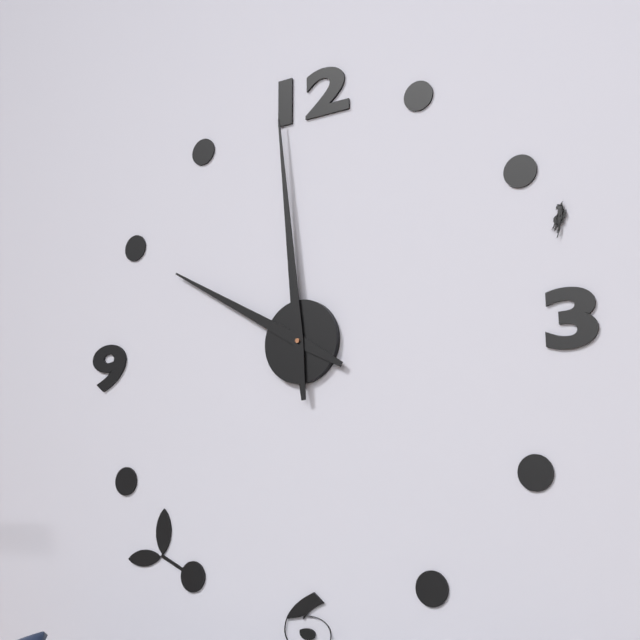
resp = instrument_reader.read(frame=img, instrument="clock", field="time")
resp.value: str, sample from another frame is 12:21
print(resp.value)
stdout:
9:59
